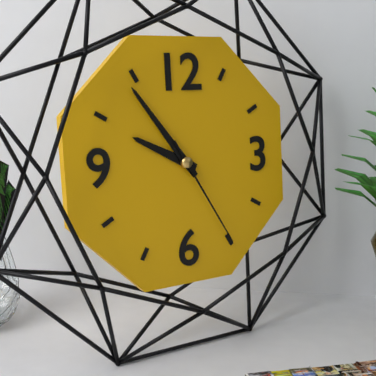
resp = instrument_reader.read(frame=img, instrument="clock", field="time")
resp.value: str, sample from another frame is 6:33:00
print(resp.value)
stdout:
9:54:25
